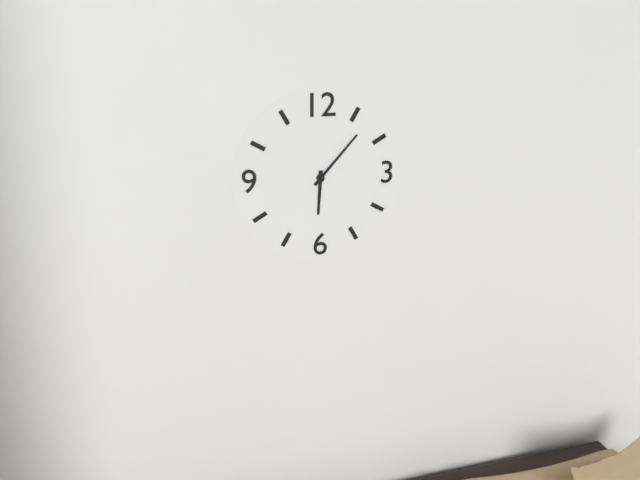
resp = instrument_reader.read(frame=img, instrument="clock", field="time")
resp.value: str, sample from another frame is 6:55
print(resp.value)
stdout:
6:07
